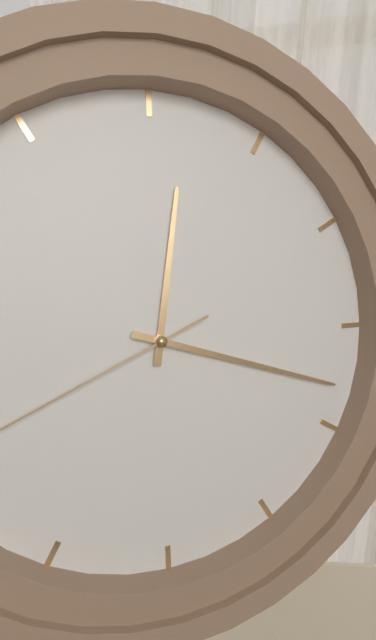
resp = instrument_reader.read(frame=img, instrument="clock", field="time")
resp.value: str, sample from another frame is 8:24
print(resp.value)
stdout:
12:18
